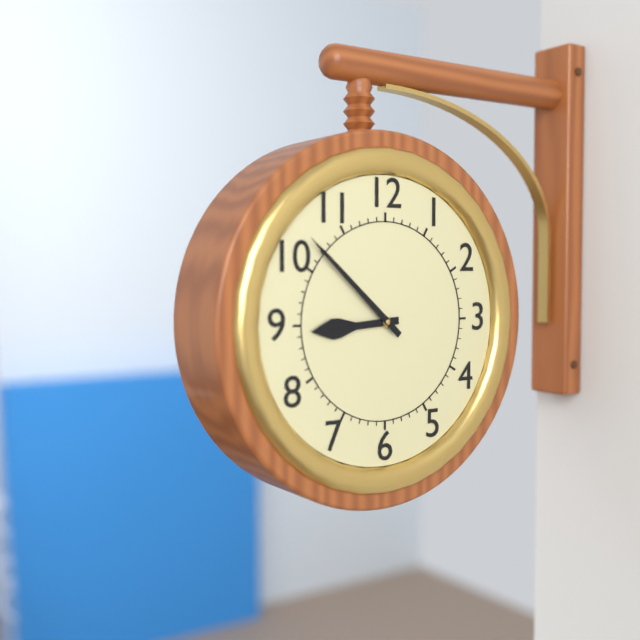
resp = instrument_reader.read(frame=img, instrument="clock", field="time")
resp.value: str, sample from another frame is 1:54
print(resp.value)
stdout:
8:52
